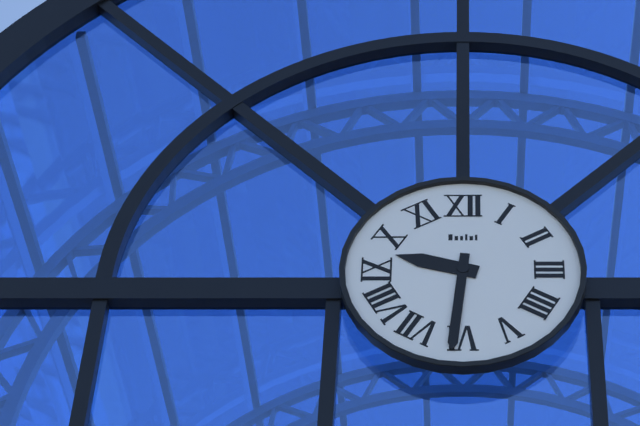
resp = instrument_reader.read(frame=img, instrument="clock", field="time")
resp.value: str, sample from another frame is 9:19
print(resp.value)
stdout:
9:31
